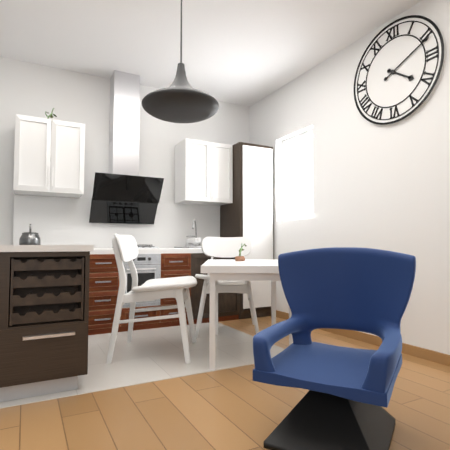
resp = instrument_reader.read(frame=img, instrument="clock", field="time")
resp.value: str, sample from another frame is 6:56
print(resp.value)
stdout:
4:11
